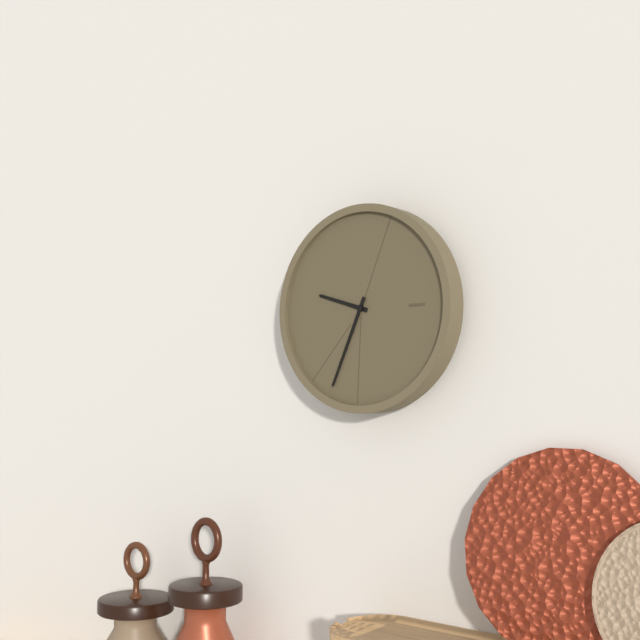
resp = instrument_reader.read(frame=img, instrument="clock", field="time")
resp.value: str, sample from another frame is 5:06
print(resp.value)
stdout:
9:34
